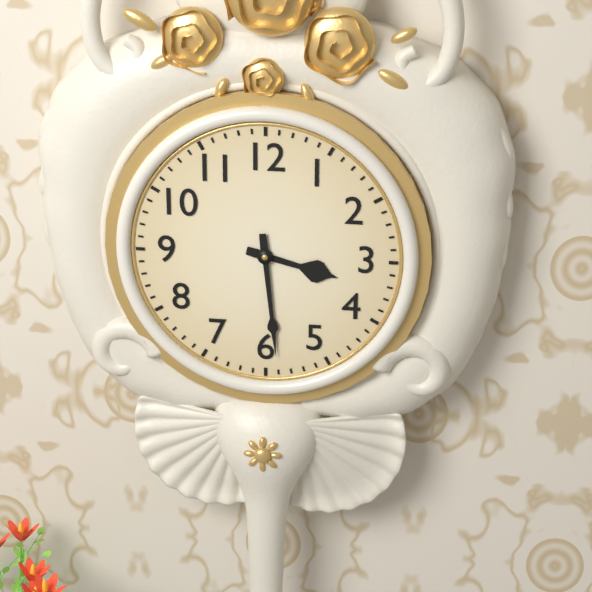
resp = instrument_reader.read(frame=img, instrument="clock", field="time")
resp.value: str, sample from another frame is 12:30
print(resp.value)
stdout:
3:29
